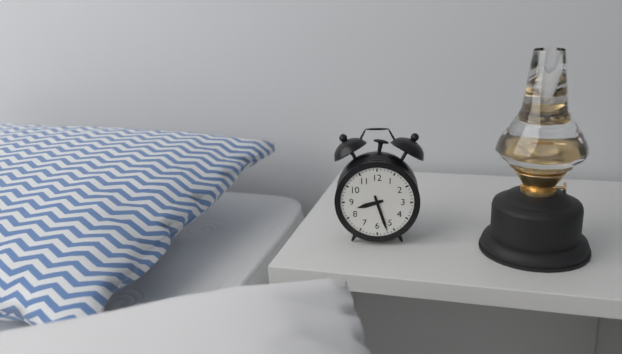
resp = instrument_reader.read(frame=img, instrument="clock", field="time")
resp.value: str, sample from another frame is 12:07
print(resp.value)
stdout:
8:27
